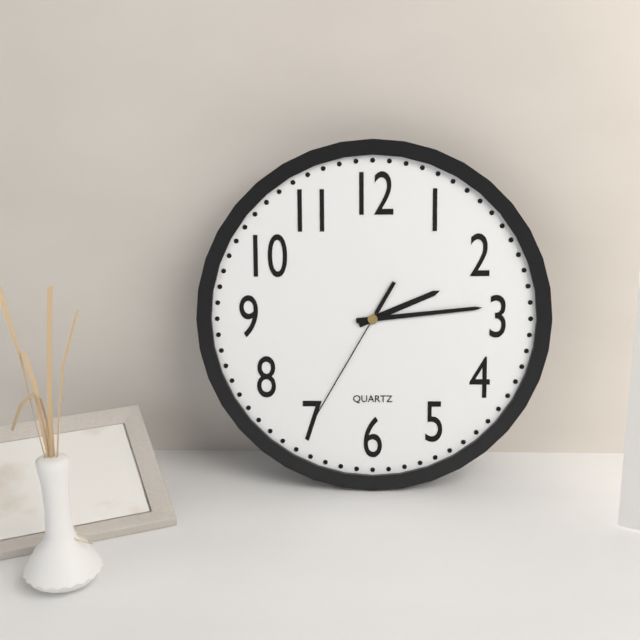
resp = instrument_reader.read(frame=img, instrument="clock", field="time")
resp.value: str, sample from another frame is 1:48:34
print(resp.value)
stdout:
2:14:35
